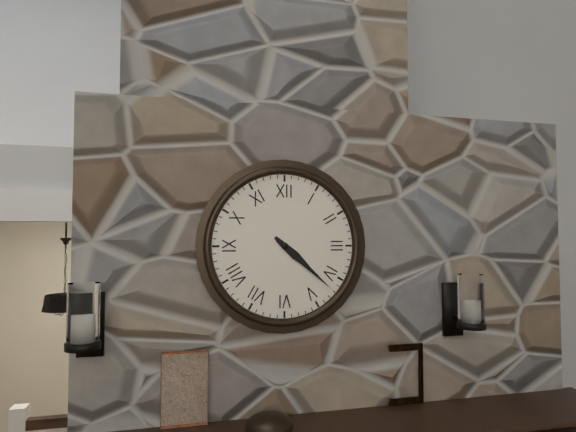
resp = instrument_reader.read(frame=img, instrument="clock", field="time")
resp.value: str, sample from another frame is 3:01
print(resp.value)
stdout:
4:22
